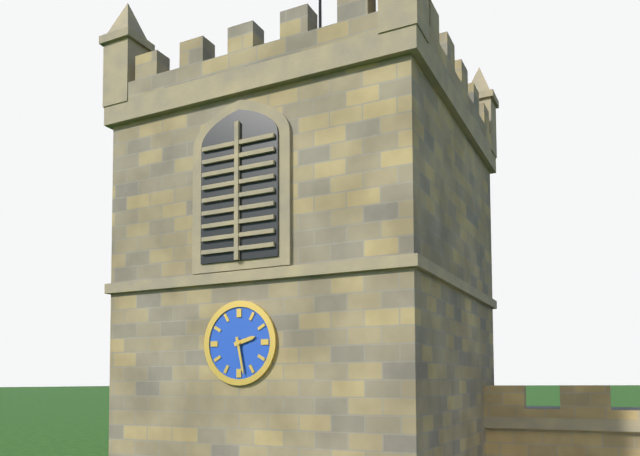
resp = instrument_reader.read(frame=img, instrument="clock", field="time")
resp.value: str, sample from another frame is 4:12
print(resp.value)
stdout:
2:28
